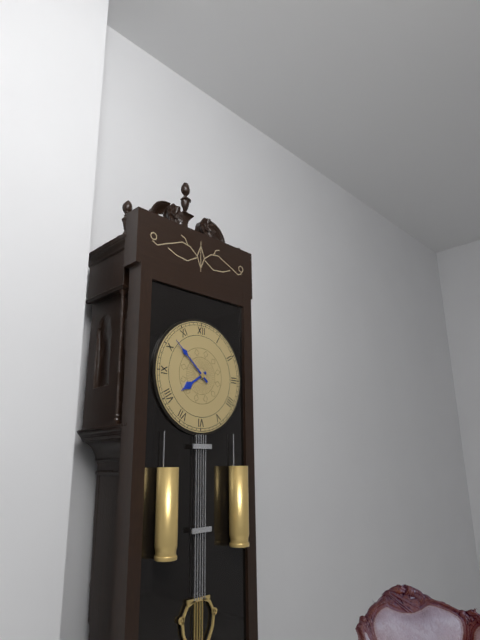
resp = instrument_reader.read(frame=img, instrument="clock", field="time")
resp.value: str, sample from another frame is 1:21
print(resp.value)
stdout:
7:52
